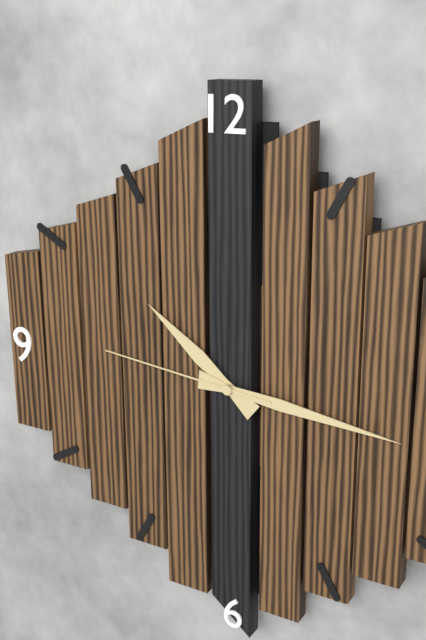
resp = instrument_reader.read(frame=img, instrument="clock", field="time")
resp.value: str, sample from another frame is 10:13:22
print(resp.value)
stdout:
10:16:46
